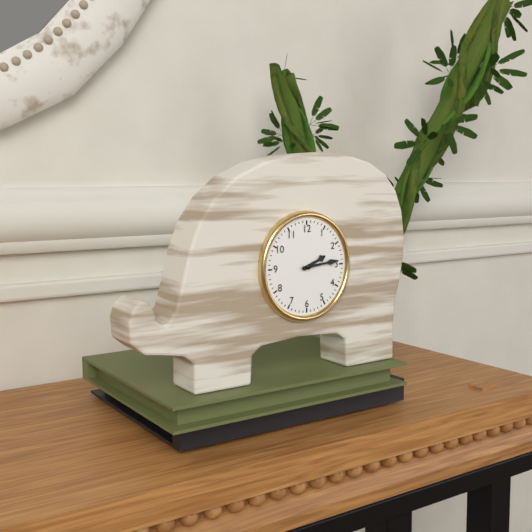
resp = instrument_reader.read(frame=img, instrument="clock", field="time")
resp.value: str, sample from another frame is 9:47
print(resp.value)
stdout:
2:14
